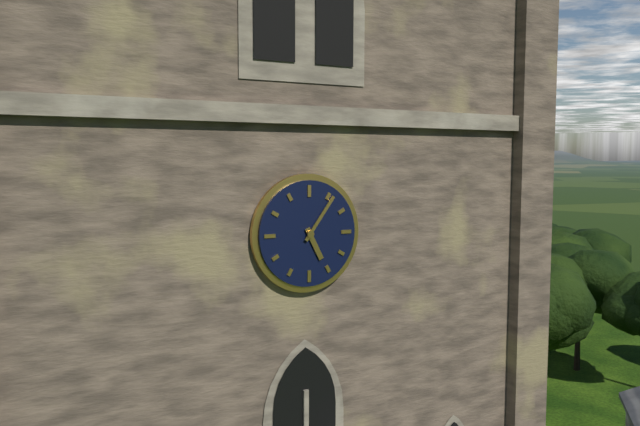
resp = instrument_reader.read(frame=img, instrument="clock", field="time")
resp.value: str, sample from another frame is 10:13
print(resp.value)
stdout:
5:06
